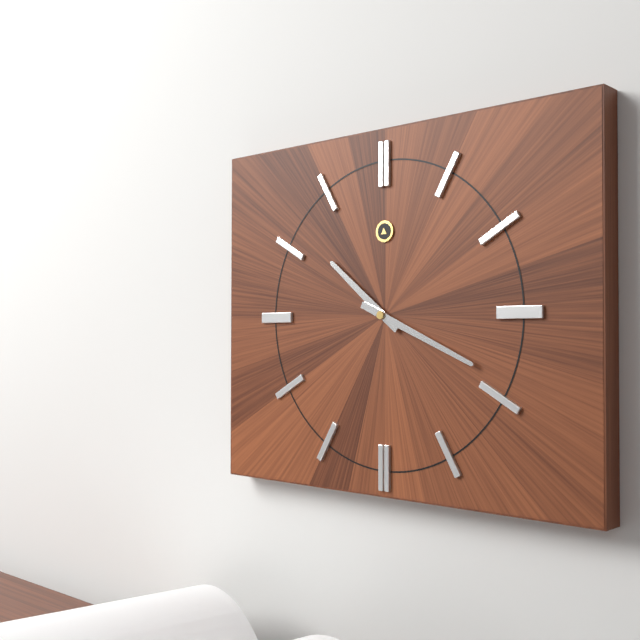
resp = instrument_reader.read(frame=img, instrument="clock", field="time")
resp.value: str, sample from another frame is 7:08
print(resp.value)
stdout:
10:19
